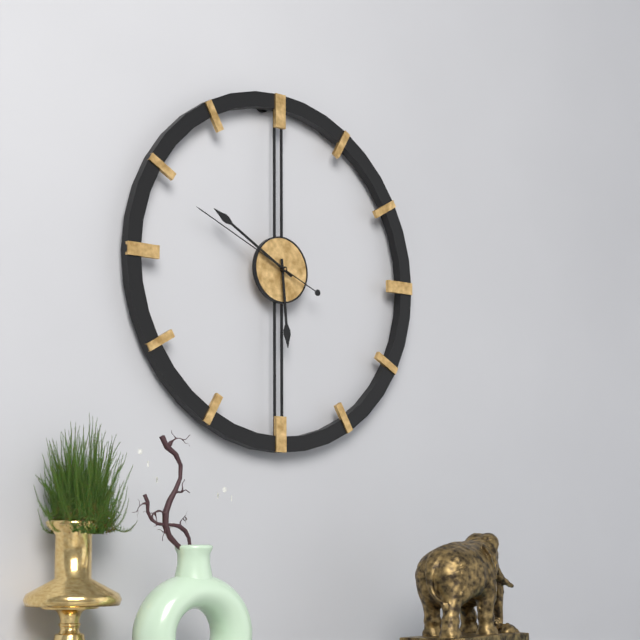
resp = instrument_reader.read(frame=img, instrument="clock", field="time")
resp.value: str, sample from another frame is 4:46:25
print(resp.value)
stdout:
5:50:49
